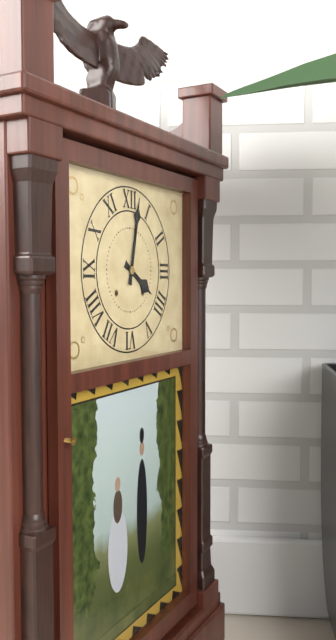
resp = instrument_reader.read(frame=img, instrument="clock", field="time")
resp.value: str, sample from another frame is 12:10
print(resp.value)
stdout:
4:02
